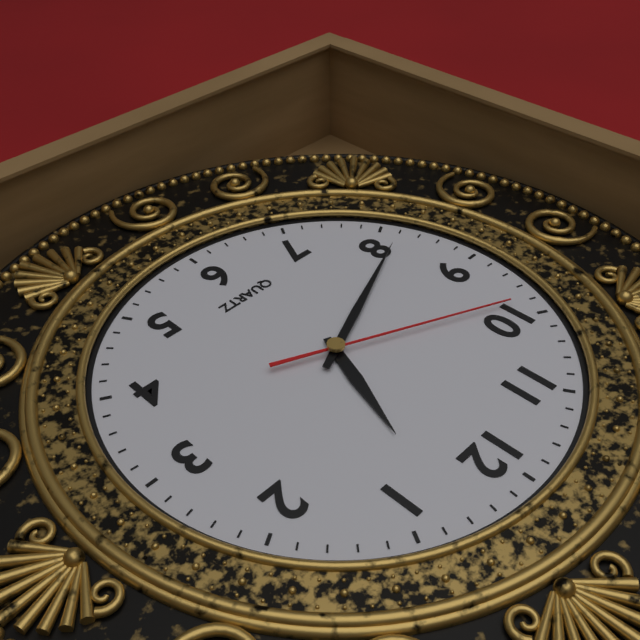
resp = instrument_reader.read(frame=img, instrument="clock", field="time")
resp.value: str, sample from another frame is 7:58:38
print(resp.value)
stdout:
12:41:49
